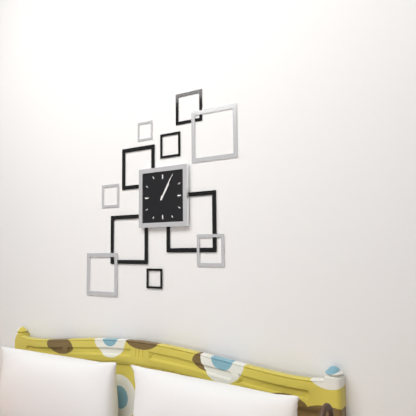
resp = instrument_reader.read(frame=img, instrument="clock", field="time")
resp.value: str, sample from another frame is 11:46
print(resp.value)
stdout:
1:05
